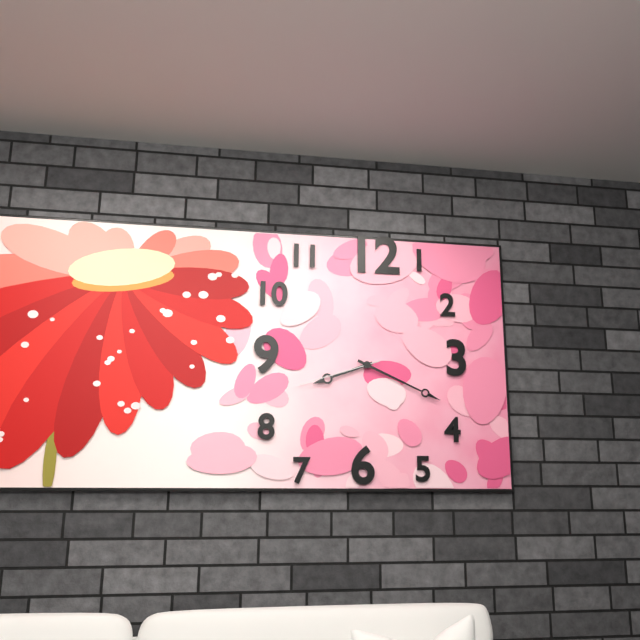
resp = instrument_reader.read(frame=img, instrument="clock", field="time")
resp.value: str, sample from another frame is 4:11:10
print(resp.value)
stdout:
8:19:42
